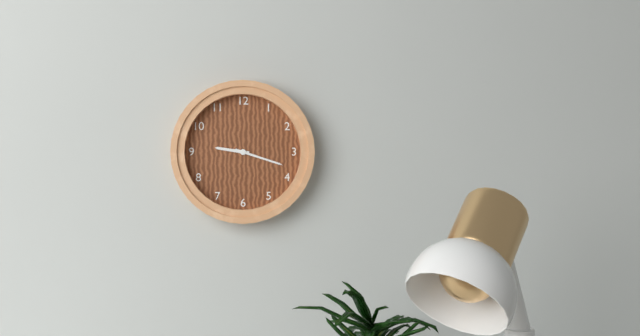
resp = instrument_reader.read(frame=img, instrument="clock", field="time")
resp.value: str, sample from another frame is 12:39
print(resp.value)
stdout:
9:18
